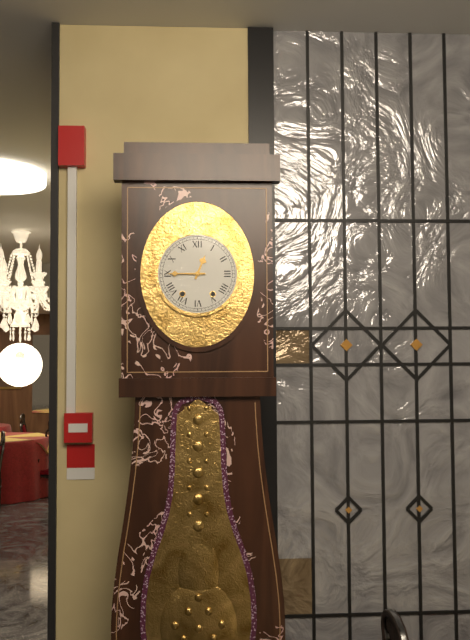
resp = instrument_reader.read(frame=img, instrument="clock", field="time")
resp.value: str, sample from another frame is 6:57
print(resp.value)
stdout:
12:45
